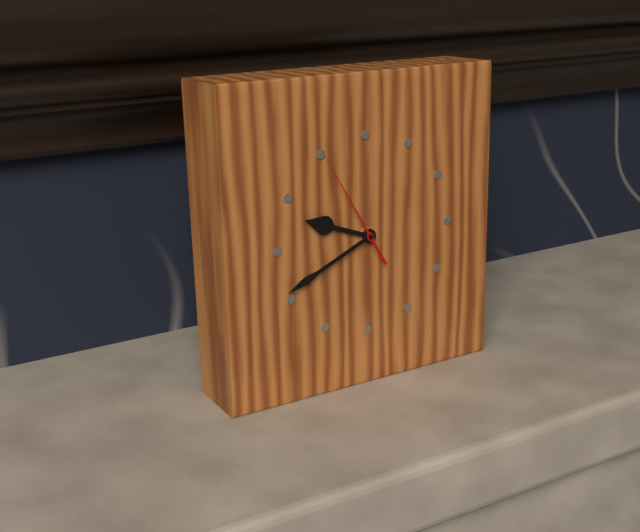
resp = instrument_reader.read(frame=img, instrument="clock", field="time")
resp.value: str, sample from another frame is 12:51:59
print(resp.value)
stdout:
9:41:55
